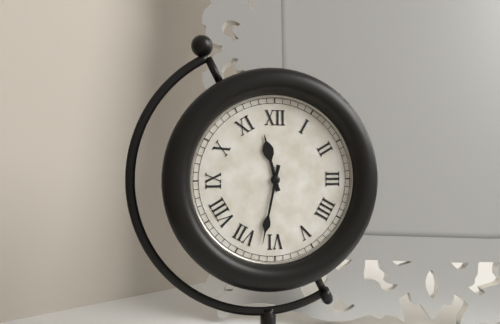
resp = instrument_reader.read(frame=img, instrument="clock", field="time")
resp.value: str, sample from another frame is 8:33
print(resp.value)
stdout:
11:32
